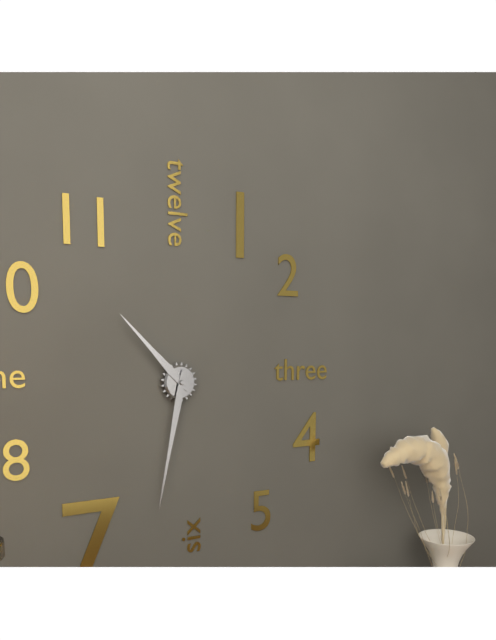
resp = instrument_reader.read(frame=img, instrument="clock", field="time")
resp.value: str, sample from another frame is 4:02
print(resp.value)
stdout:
10:32
